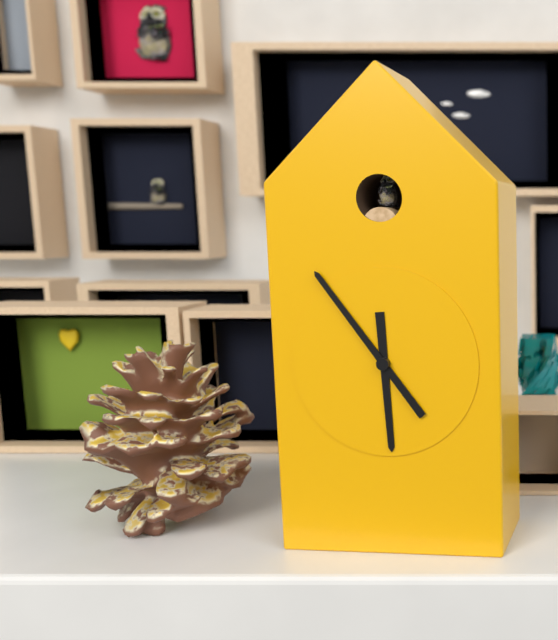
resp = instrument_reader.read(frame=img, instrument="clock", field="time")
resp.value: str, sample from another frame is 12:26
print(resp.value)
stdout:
5:54
